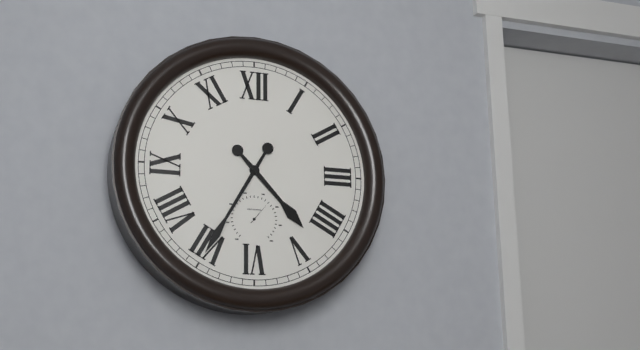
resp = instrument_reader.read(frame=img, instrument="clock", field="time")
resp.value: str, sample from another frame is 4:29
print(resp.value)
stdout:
4:35
